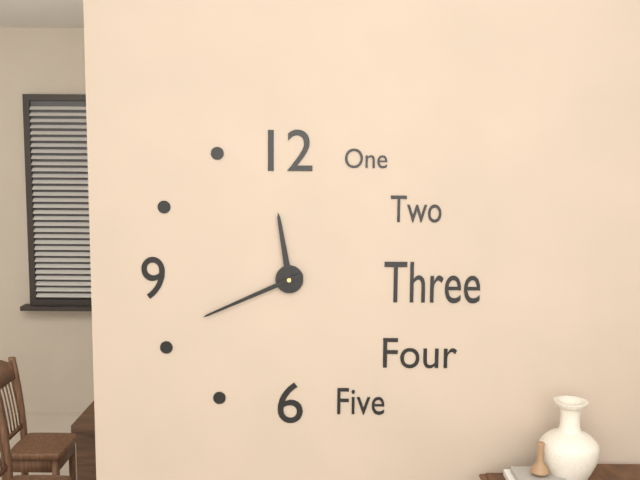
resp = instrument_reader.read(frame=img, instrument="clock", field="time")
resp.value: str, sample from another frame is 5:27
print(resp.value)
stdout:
11:41
